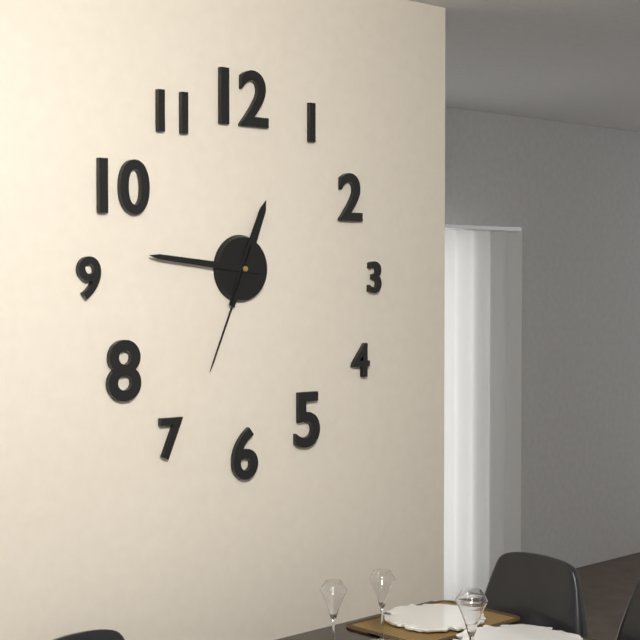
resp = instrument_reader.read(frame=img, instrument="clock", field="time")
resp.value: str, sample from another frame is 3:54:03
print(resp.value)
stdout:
12:46:34
